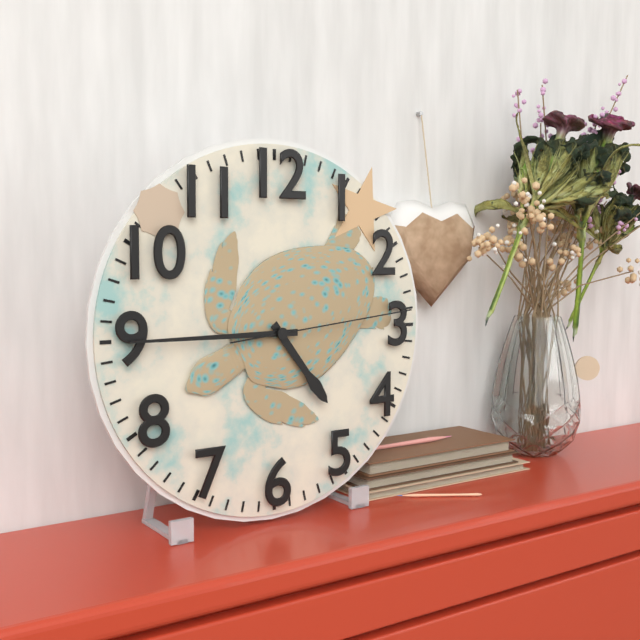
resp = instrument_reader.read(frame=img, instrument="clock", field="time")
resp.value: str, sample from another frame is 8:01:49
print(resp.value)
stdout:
4:45:14
